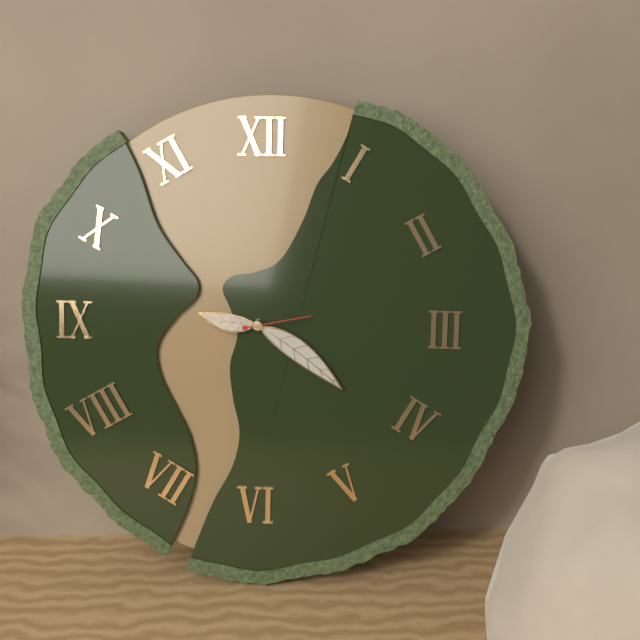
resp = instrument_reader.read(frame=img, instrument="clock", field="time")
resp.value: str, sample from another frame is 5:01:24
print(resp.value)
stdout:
9:21:13
